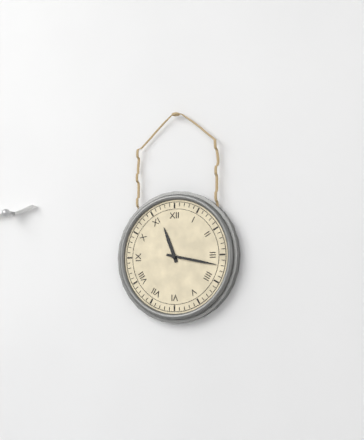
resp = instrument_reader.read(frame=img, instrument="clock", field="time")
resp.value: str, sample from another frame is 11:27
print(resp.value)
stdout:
11:17
